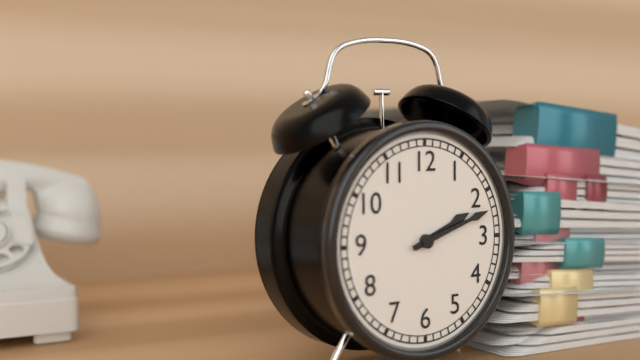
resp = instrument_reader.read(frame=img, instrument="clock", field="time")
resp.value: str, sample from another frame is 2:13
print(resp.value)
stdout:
2:12
